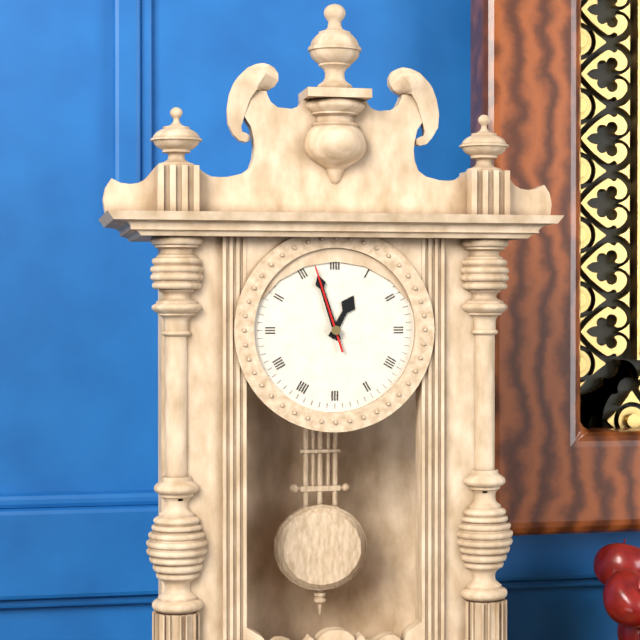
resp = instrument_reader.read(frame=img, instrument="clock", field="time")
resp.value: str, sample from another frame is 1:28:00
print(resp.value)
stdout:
12:57:57
